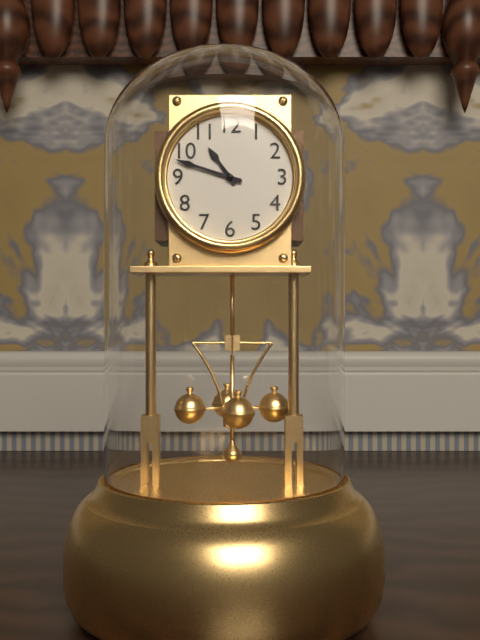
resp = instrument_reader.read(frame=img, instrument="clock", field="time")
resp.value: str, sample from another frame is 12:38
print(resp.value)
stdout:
10:48
